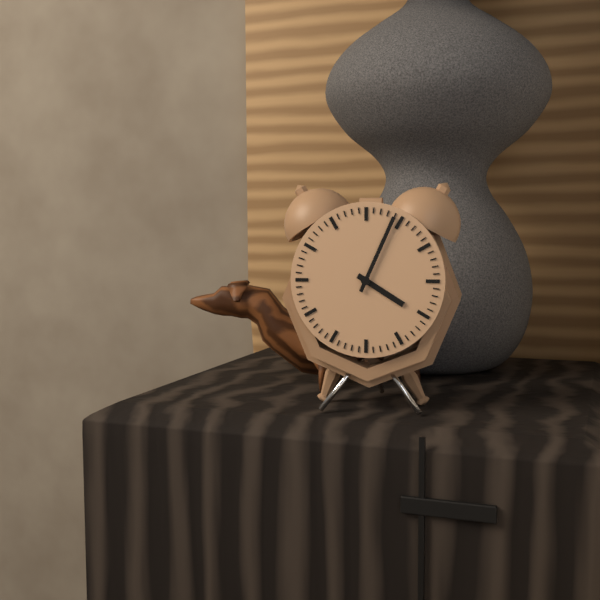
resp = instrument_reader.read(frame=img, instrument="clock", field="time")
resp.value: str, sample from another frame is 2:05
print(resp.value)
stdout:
4:04
